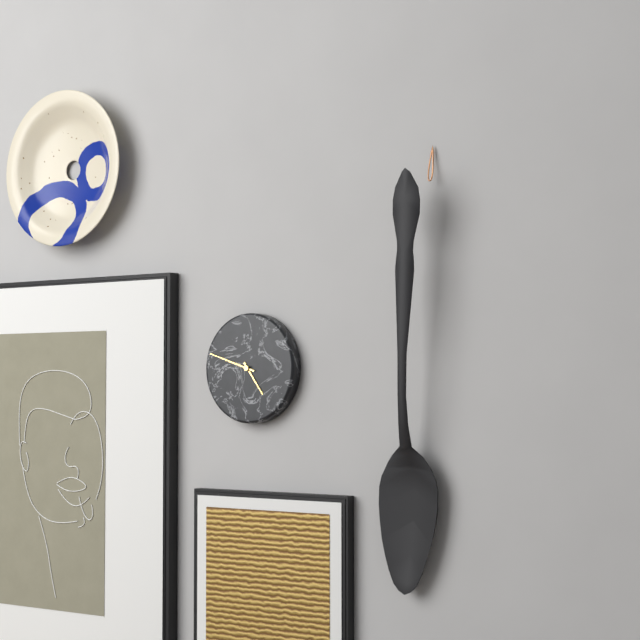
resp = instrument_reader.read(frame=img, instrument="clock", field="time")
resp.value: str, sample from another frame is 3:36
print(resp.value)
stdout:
4:48
